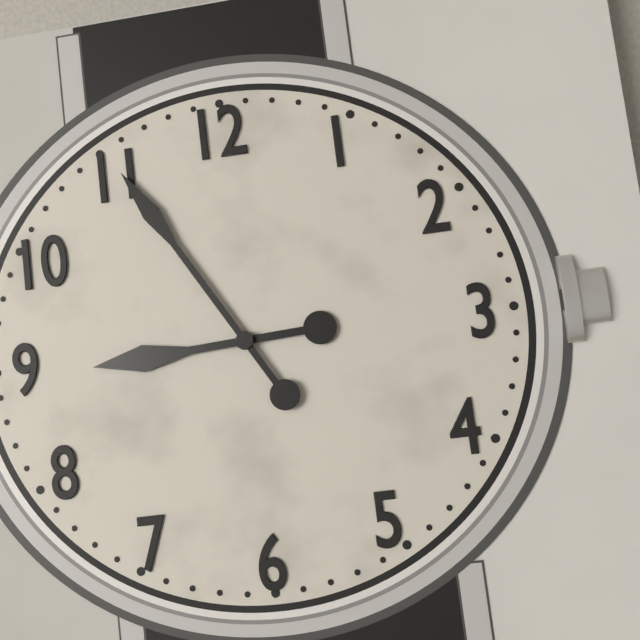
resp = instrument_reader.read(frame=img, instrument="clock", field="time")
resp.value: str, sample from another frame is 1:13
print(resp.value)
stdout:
8:55
